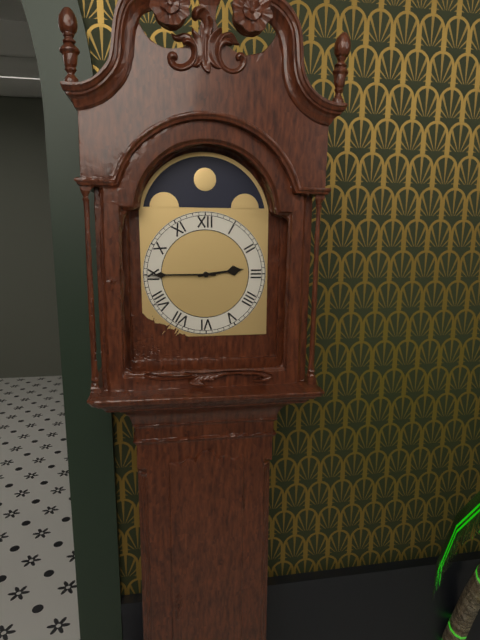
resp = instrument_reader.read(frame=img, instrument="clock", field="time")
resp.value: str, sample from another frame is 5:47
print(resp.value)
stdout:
2:45
